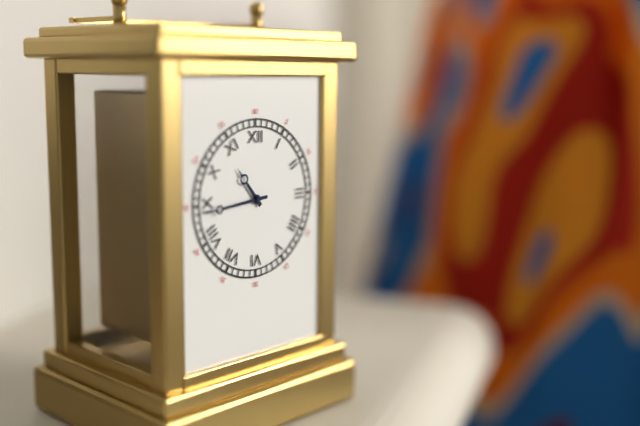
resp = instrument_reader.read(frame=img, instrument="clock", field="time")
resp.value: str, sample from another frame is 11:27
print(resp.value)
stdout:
10:44
